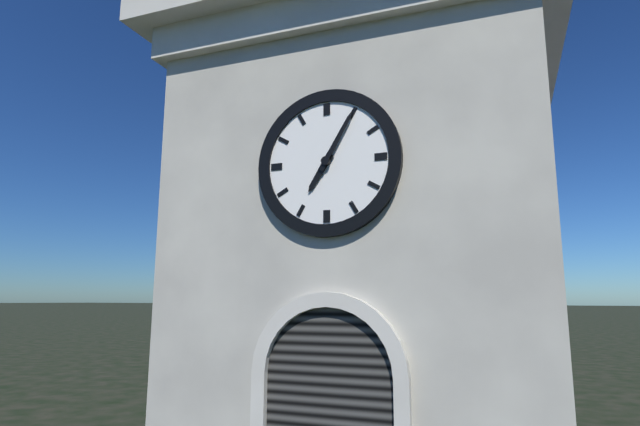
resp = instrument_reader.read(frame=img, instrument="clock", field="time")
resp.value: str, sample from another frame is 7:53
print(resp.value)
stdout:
7:05
